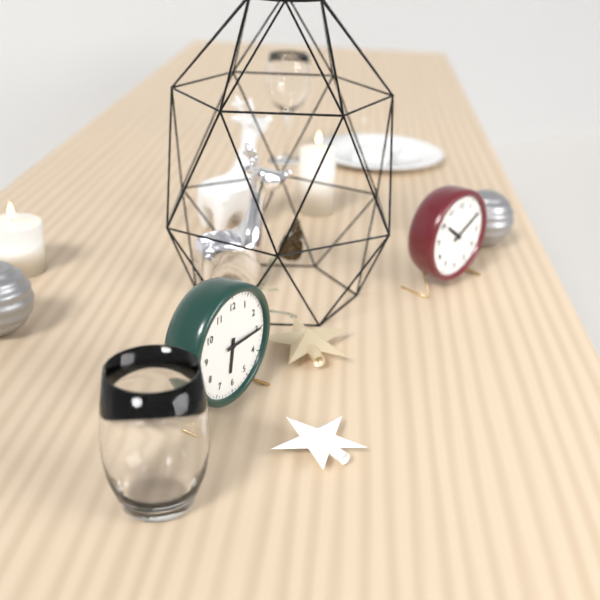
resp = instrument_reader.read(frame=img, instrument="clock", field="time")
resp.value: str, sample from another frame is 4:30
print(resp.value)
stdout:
6:15
